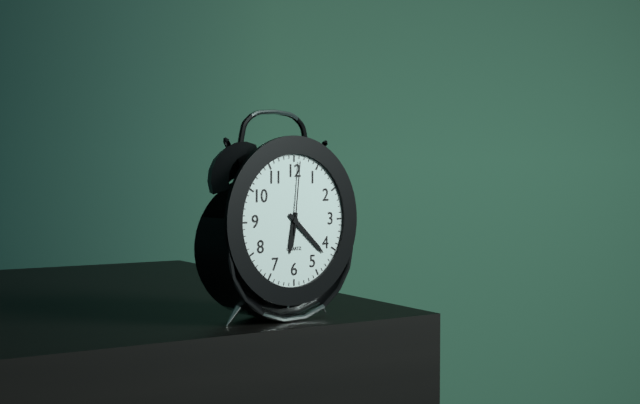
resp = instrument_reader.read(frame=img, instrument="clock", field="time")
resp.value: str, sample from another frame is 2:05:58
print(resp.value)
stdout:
6:22:01
